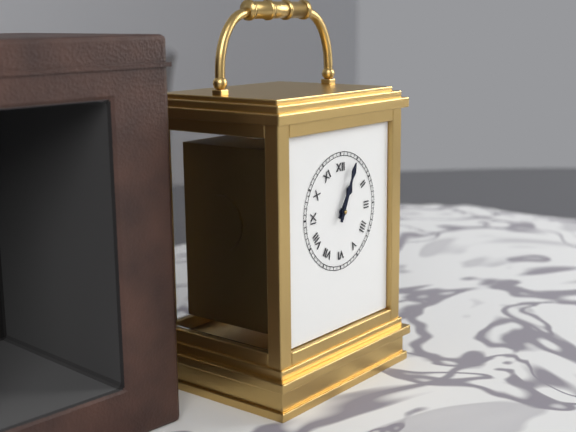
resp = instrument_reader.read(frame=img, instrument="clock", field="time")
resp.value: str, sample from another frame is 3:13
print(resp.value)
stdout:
1:04
